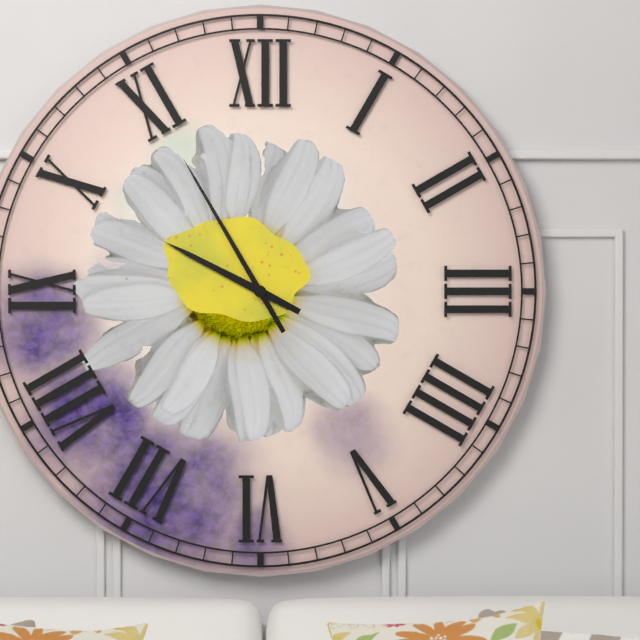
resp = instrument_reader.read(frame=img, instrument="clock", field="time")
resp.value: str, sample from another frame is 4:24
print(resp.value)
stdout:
9:55
